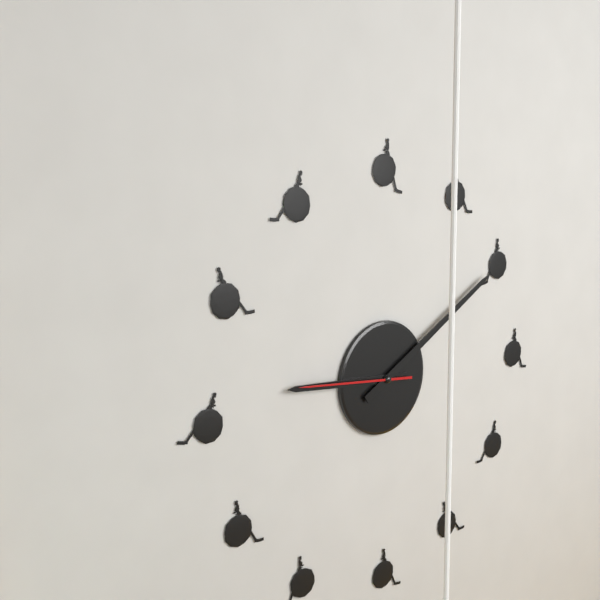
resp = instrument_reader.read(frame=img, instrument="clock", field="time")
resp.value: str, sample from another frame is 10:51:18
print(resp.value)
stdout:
9:10:46
